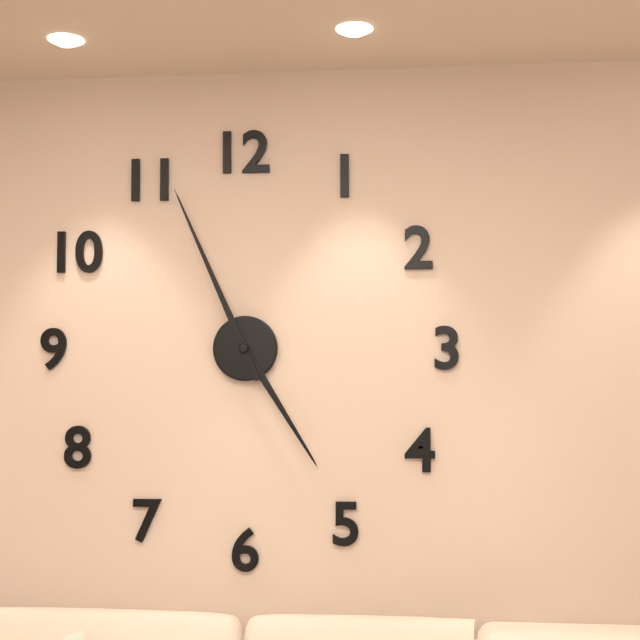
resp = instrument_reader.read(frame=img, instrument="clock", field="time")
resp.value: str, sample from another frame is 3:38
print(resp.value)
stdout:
4:56
